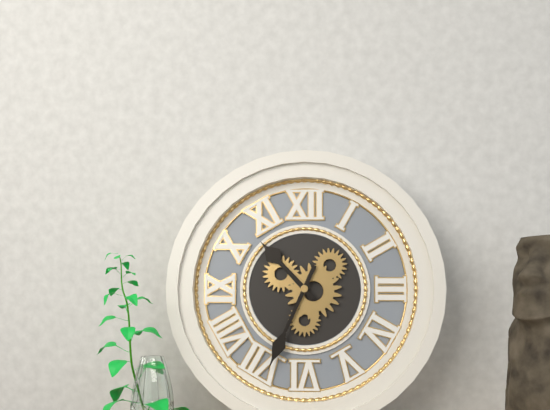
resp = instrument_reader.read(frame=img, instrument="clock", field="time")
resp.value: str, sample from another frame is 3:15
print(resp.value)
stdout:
10:34
